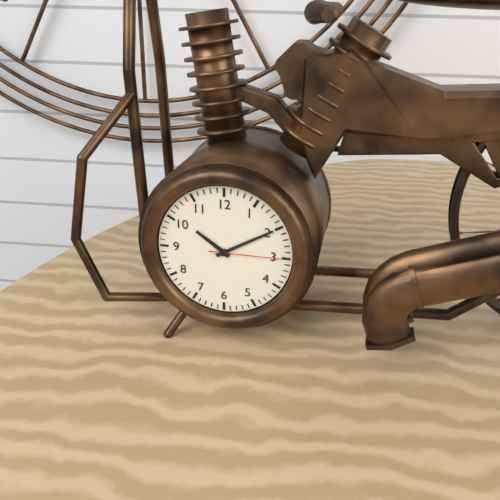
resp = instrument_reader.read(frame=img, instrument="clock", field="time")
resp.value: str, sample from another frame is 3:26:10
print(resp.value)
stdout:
10:10:15
